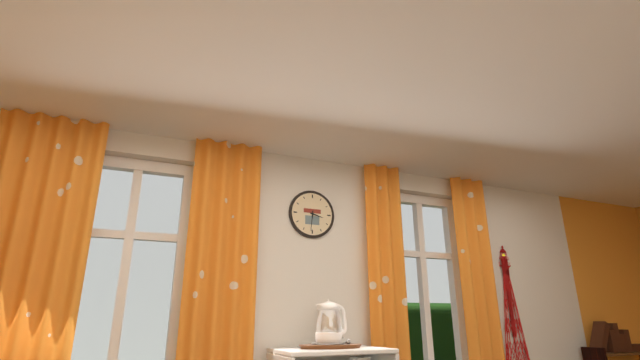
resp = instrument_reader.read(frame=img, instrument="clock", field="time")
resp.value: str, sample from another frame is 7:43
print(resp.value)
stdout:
3:31
